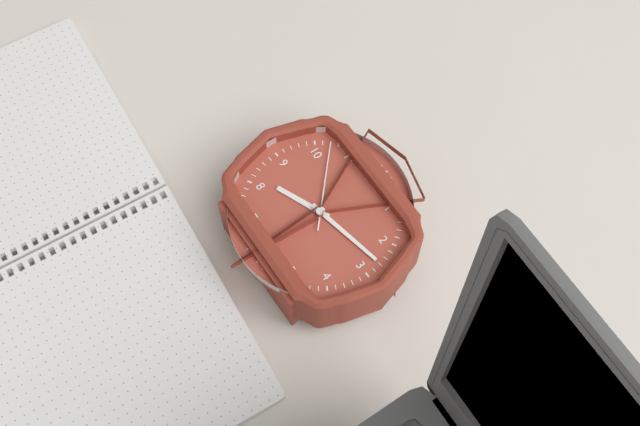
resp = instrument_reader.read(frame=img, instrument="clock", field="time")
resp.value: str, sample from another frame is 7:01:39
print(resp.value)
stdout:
8:13:52
